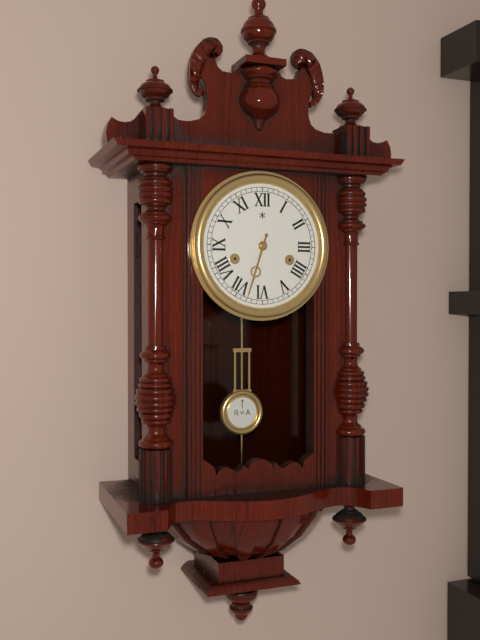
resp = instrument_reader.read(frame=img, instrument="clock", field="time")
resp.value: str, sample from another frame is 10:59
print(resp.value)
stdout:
6:33
